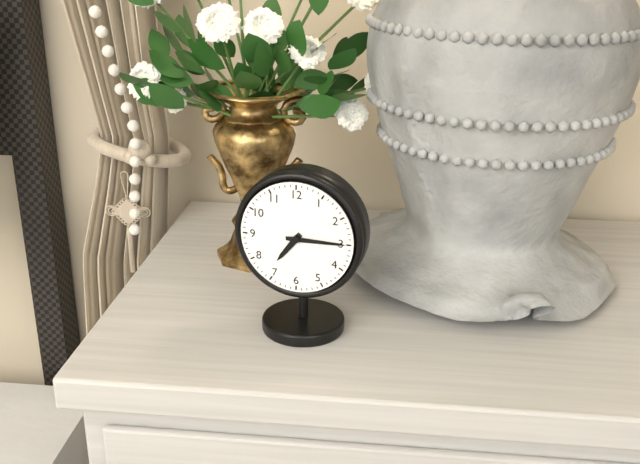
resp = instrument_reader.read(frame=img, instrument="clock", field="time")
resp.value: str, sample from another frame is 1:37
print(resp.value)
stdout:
7:15
